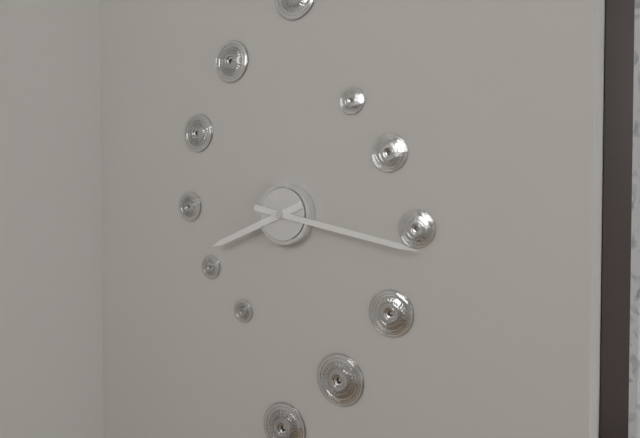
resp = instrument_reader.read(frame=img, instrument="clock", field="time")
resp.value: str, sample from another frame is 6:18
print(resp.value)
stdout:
8:17
